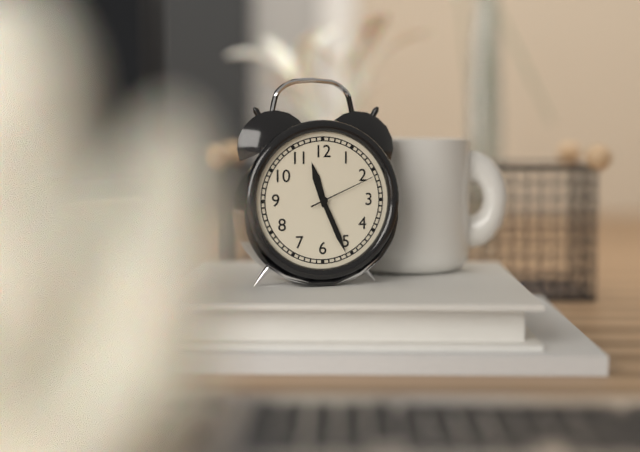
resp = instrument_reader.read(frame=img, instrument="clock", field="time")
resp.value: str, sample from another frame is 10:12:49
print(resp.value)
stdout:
11:26:11
